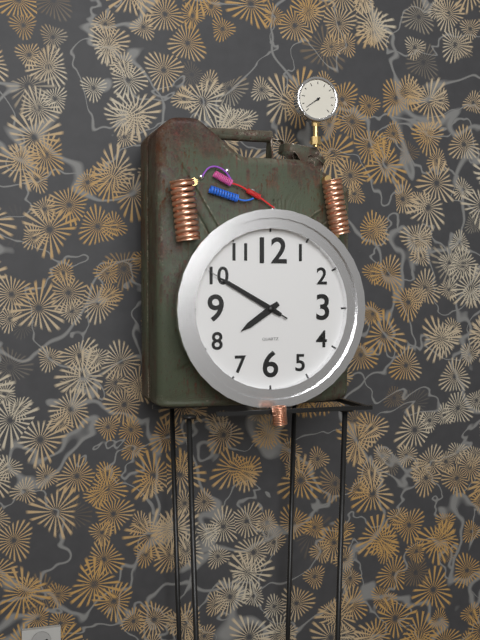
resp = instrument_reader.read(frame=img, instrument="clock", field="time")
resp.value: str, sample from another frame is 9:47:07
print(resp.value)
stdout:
7:50:50
